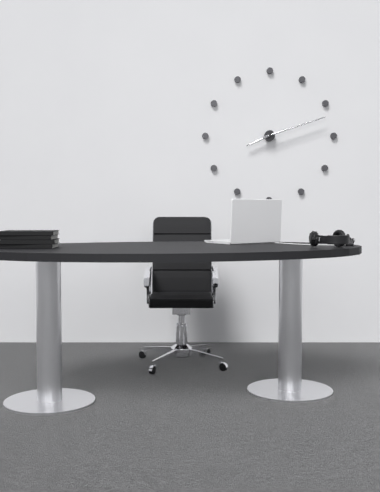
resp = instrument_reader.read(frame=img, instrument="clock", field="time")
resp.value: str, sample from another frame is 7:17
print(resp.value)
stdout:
8:12
